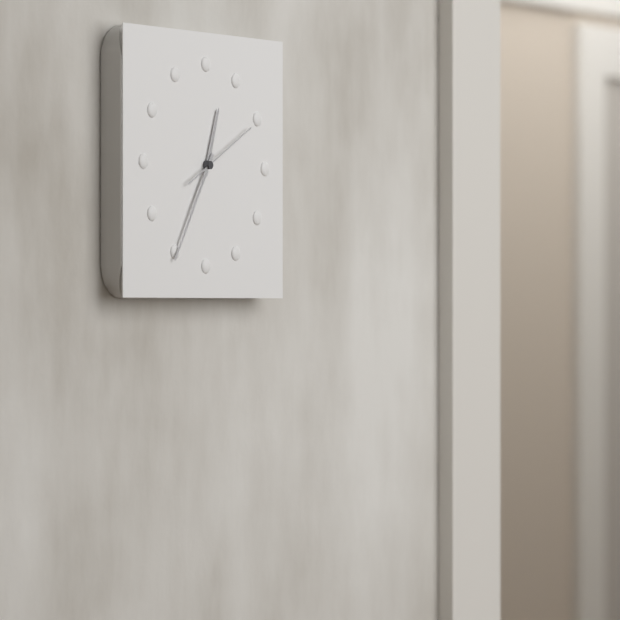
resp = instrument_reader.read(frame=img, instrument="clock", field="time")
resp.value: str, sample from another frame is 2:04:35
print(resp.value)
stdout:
12:35:10
